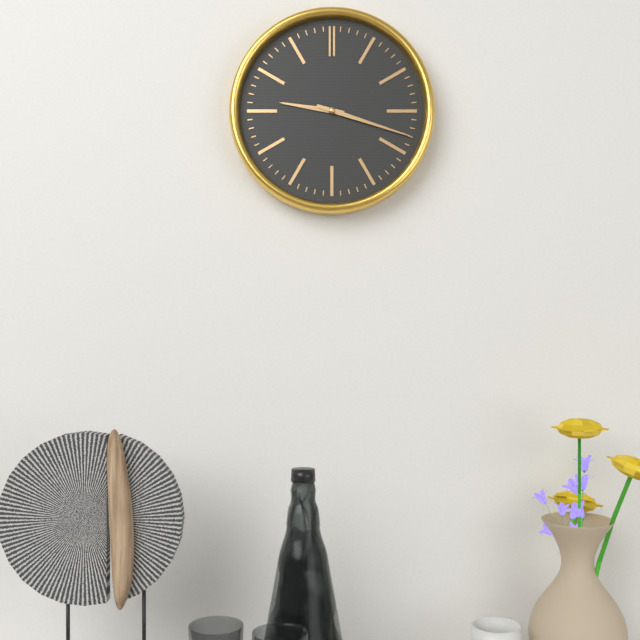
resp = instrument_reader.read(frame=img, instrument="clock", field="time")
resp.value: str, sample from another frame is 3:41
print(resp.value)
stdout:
9:18
